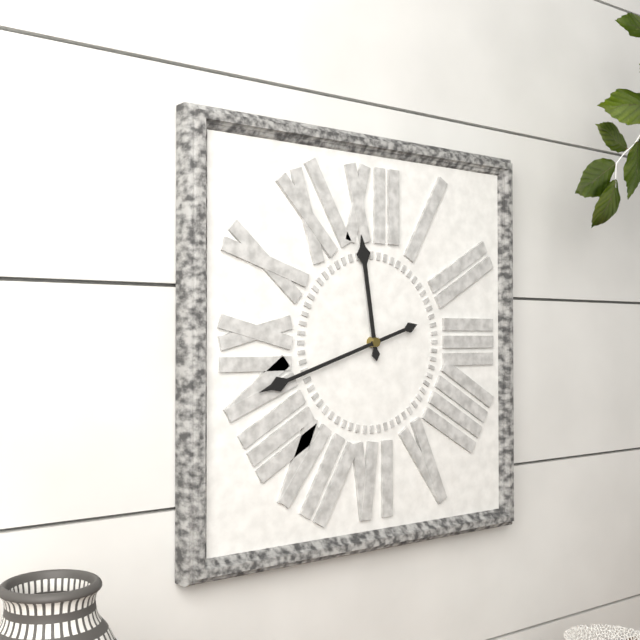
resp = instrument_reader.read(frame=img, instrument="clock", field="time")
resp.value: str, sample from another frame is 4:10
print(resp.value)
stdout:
11:42
